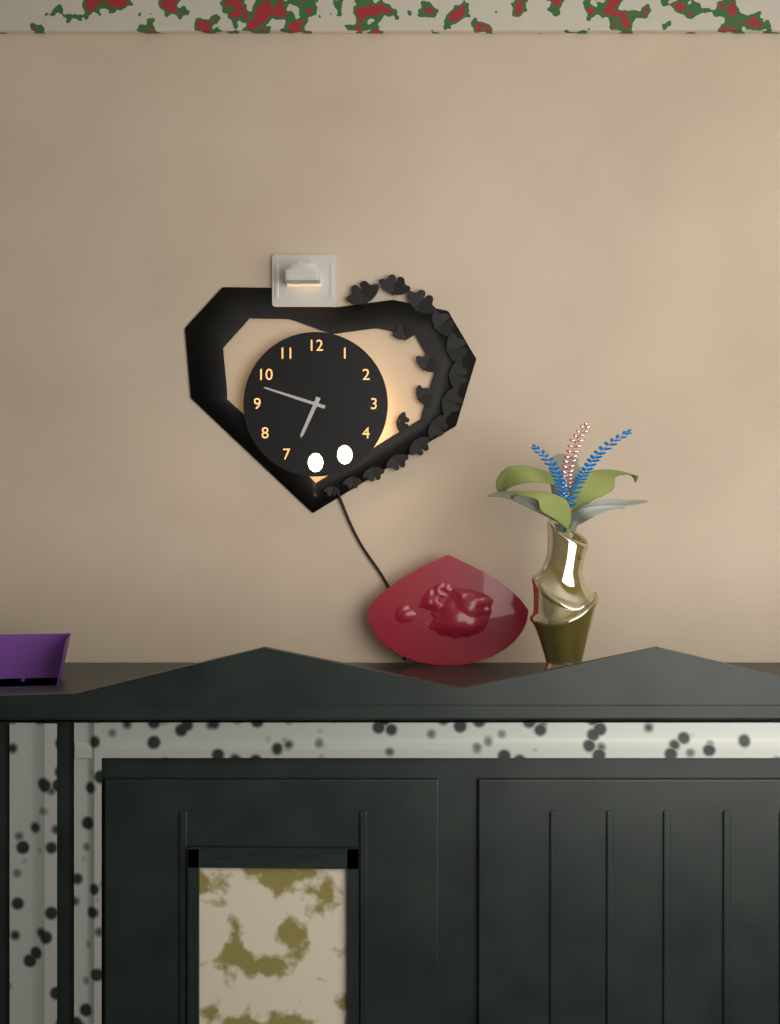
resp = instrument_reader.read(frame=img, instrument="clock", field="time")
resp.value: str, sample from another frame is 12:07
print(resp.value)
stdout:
6:48
